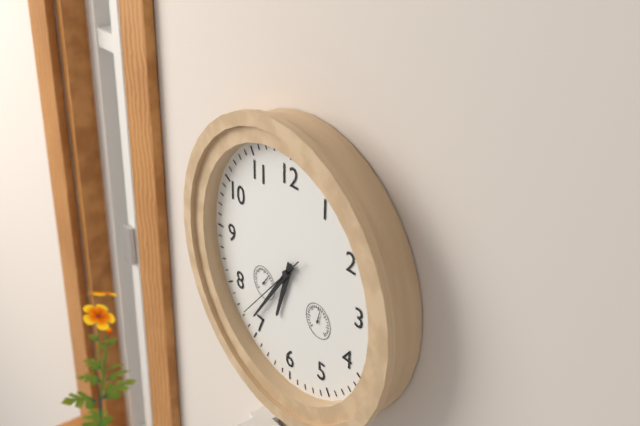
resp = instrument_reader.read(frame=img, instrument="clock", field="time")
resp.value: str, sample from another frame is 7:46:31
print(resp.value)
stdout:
6:36:37
